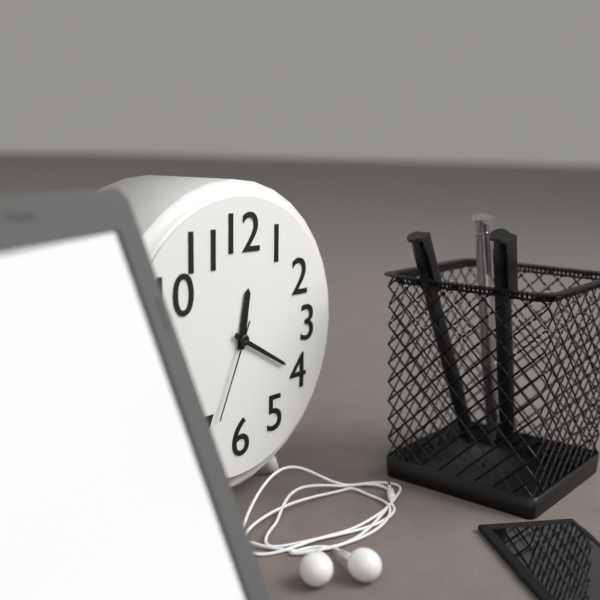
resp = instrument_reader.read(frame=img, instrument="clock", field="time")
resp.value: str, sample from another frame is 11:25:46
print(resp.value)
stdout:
12:20:34
